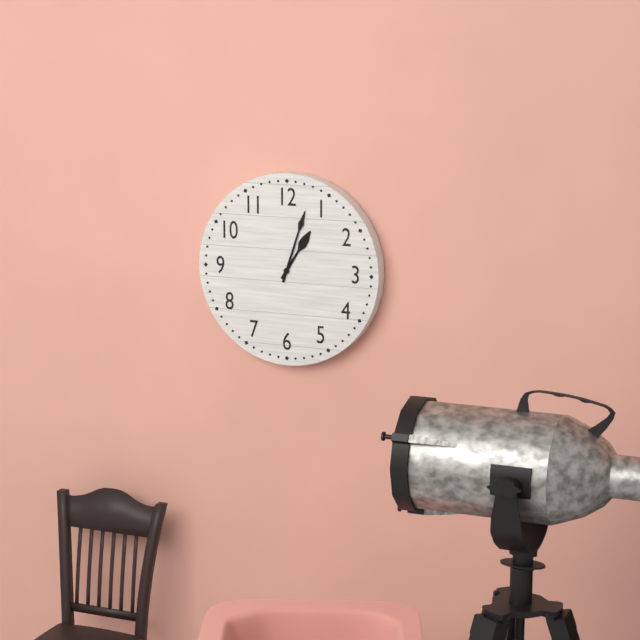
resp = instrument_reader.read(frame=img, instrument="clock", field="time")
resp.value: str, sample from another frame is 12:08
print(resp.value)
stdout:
1:03
